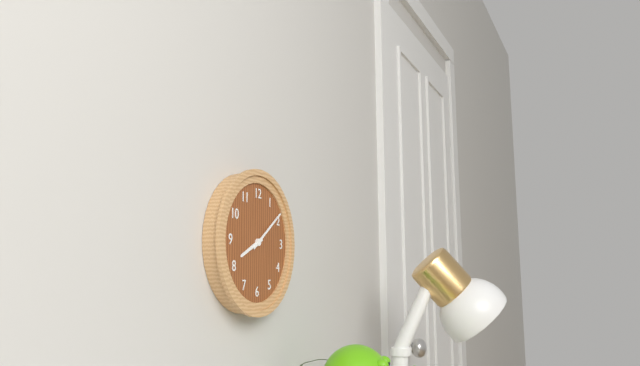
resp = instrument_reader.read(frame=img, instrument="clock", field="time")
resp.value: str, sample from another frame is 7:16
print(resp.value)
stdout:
8:09
